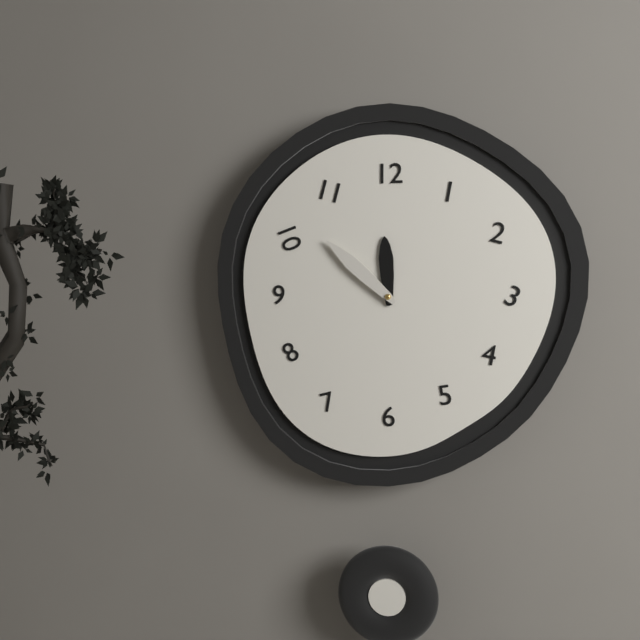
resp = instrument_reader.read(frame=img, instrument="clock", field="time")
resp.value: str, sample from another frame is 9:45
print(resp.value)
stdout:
11:52
